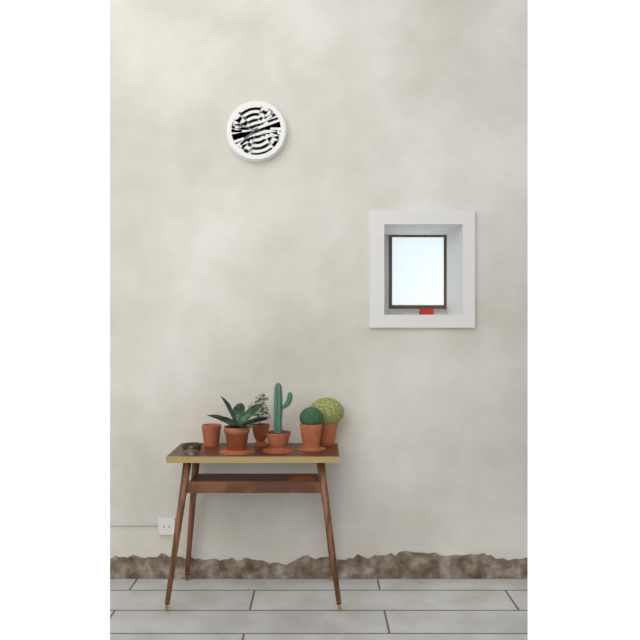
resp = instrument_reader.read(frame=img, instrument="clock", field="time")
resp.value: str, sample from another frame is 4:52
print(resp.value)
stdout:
7:47
